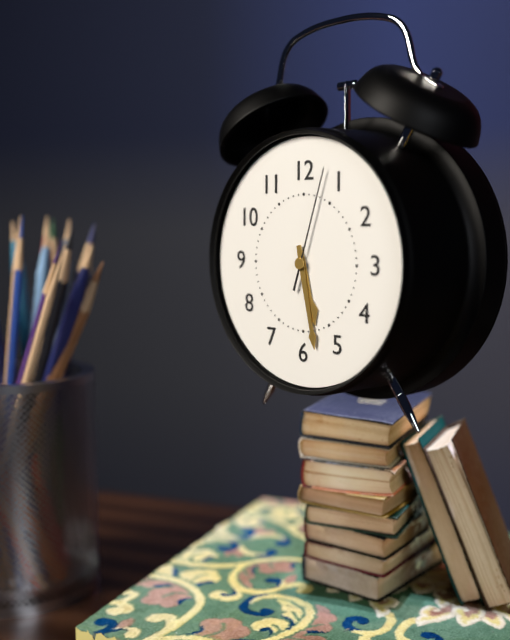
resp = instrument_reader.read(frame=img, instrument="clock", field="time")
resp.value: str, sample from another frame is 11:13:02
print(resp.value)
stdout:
5:28:03
